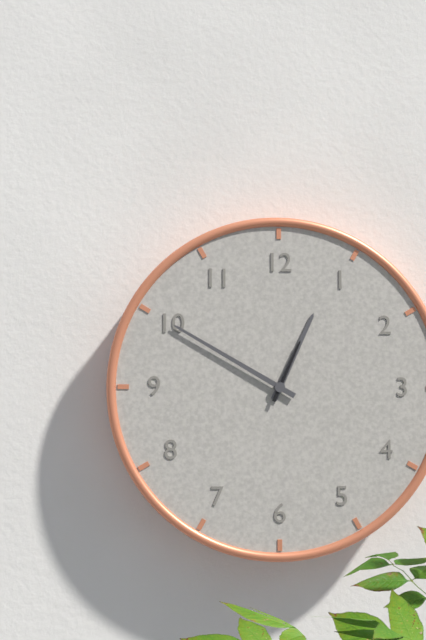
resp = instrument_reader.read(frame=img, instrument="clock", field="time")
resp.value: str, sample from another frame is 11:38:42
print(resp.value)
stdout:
12:50:04
